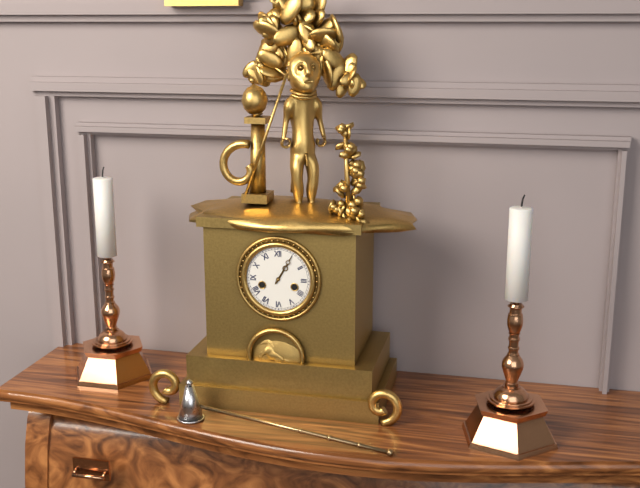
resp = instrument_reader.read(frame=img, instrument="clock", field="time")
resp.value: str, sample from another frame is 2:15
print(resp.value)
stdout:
1:05
